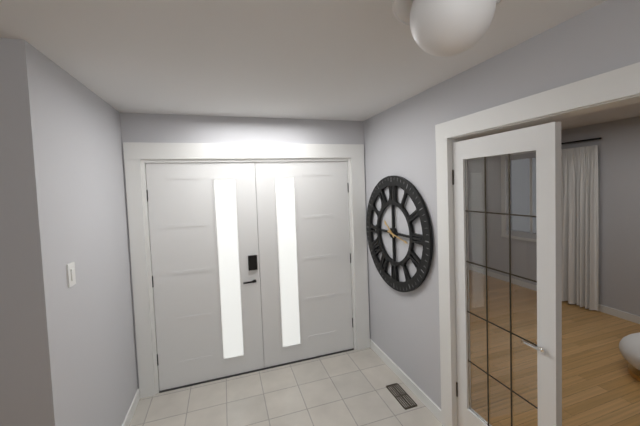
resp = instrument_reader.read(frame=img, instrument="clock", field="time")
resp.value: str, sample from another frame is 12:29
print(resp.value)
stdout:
10:17
